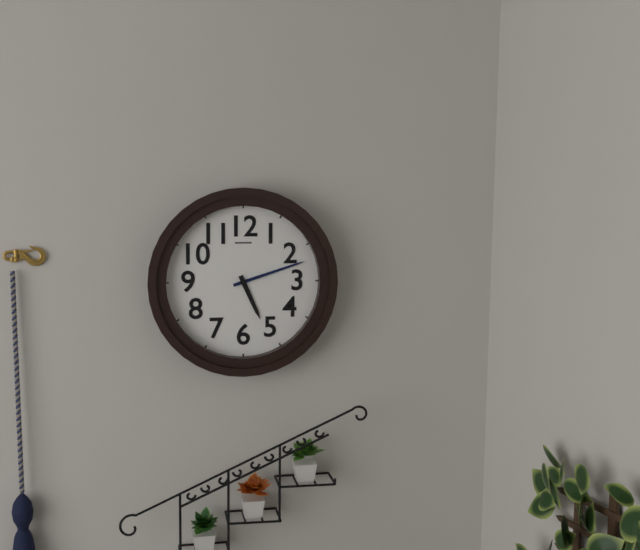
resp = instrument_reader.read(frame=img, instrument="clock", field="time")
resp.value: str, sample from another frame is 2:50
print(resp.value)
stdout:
5:12
